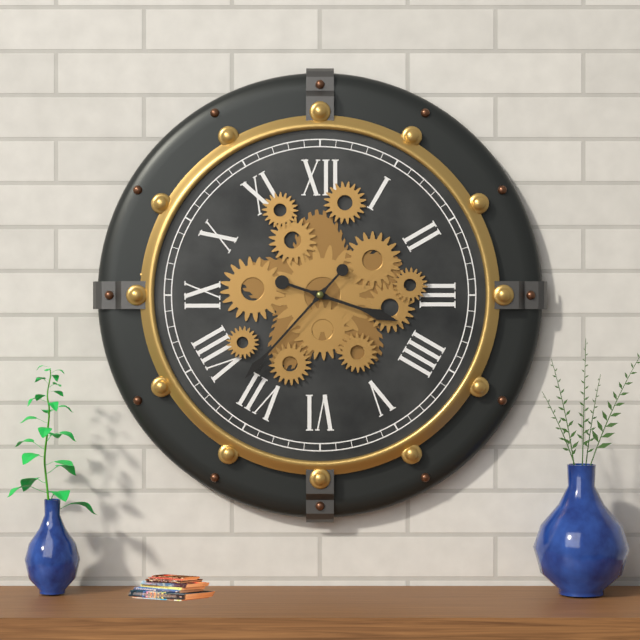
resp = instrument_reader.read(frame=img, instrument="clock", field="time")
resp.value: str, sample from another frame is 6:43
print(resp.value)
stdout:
3:37
